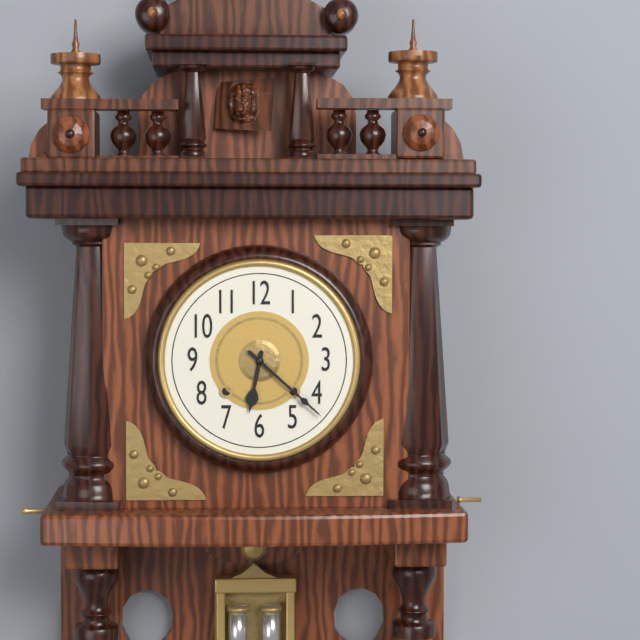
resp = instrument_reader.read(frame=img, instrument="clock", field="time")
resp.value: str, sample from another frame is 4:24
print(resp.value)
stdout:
6:22
